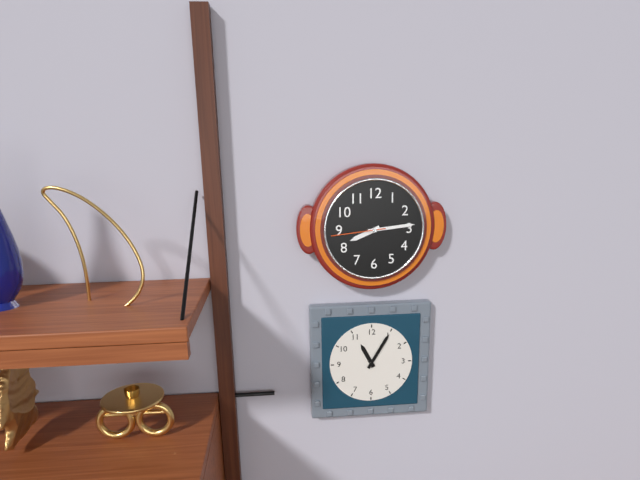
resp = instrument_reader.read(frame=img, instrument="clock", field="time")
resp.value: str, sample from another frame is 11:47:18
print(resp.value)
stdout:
8:14:44
